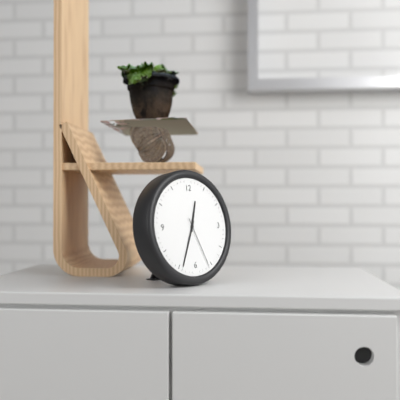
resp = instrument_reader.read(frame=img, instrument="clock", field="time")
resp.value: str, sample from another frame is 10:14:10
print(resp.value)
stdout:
12:34:26
